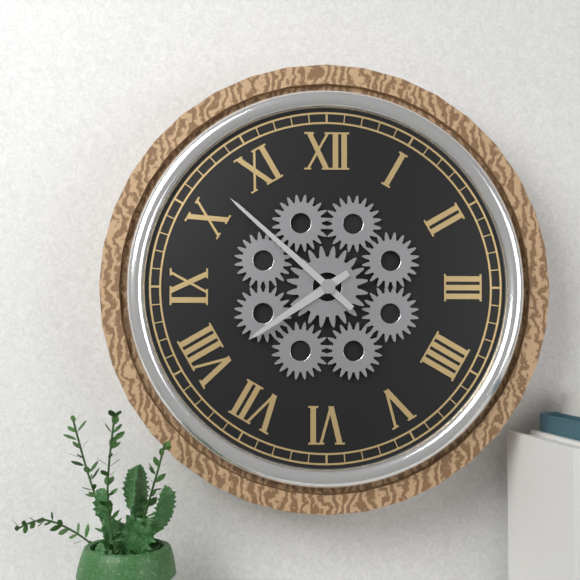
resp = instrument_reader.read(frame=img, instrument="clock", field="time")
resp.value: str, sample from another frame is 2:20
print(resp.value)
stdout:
7:52
